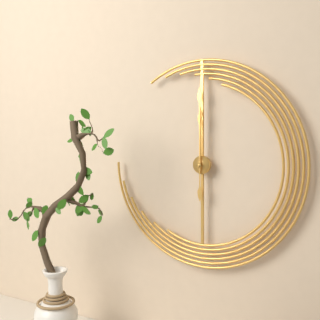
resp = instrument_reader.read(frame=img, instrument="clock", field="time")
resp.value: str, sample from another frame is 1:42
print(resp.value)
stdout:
12:00
